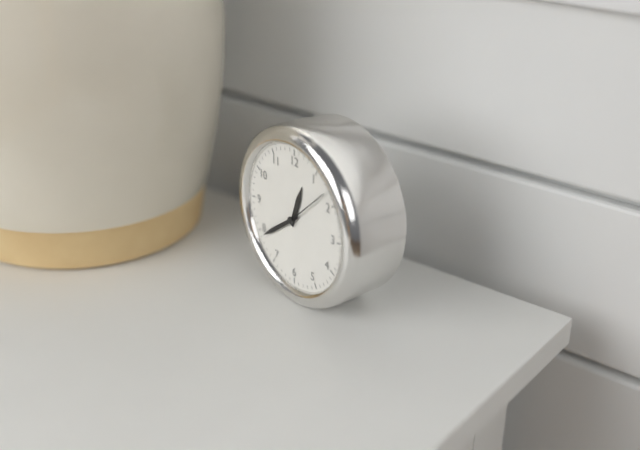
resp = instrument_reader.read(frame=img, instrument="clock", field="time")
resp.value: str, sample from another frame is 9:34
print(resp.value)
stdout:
12:39
